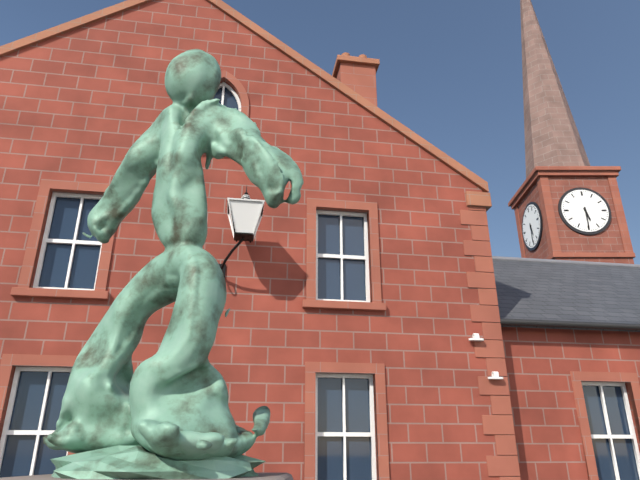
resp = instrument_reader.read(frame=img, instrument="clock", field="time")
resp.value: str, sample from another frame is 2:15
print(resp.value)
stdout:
5:30
